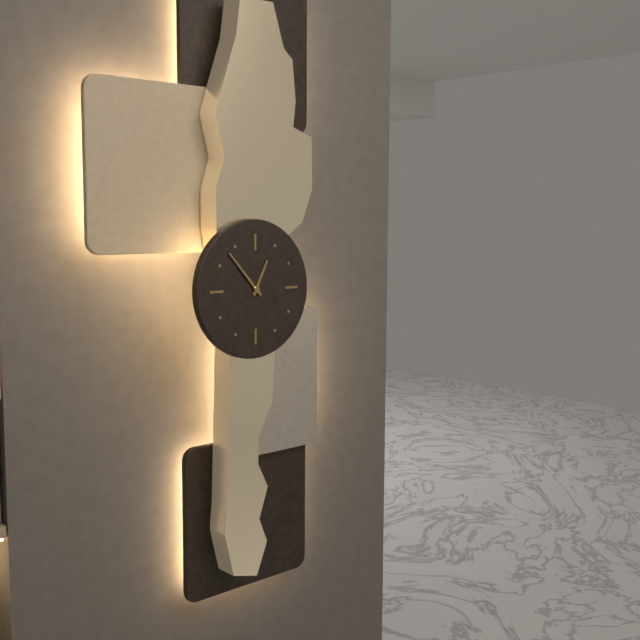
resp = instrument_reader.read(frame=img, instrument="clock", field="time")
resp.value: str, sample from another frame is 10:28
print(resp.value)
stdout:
12:53
